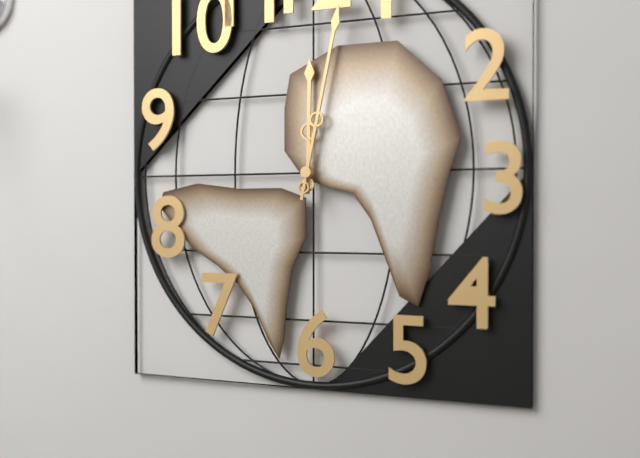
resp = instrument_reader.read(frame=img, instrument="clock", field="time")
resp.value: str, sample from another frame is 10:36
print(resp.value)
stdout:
12:02
